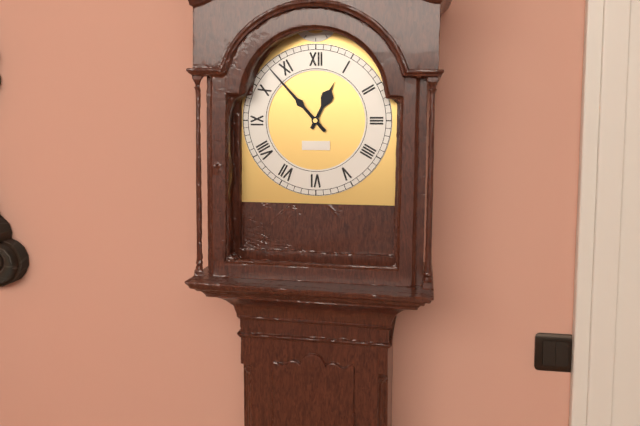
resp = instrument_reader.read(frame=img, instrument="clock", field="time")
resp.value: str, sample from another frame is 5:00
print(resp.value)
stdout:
12:53
